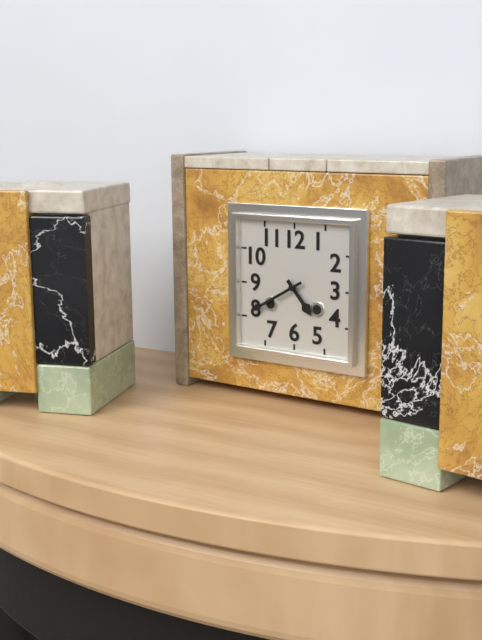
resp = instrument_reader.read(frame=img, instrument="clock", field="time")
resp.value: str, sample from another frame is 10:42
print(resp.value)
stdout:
4:40
